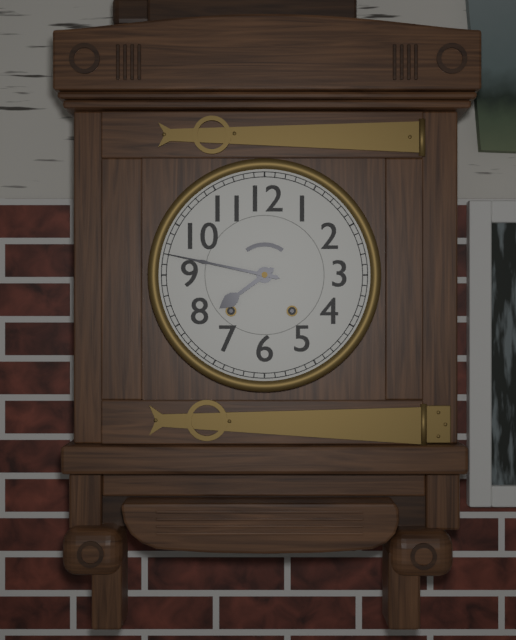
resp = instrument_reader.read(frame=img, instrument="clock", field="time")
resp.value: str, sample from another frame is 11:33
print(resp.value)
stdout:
7:47
